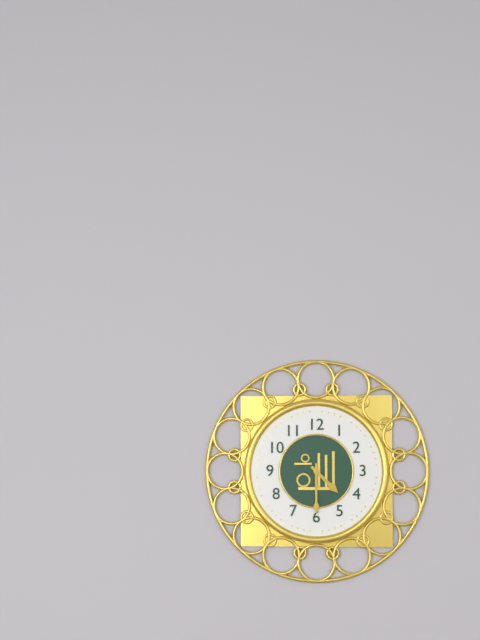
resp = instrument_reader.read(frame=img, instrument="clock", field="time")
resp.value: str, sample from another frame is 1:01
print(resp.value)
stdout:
4:30
